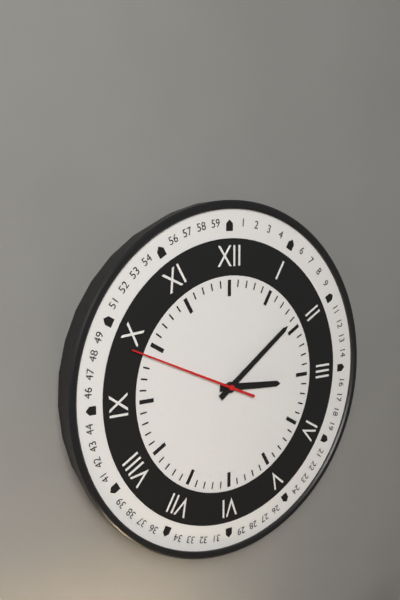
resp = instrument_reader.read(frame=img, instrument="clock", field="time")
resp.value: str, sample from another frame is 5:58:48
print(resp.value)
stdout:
3:09:49
